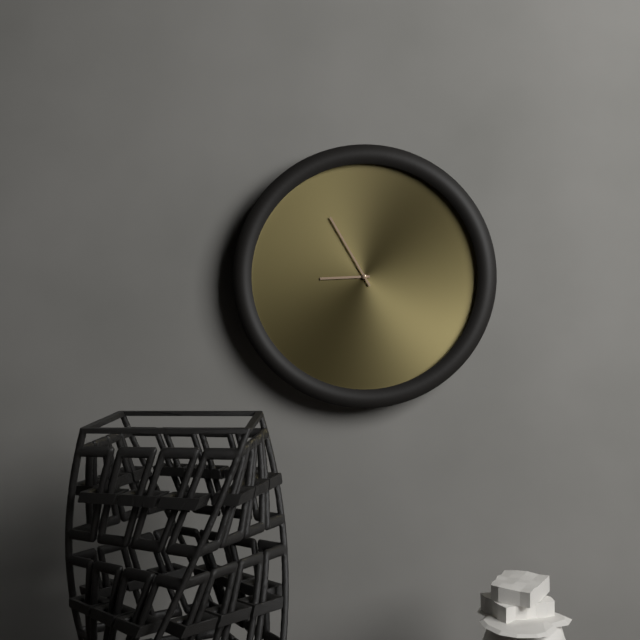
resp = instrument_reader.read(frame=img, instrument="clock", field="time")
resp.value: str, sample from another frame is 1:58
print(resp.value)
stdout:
8:55
